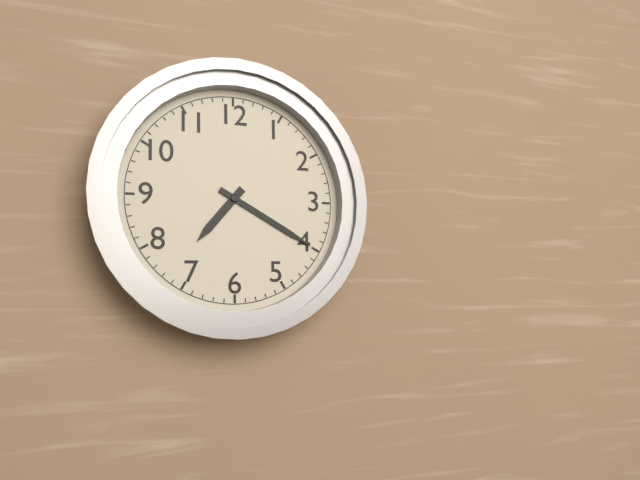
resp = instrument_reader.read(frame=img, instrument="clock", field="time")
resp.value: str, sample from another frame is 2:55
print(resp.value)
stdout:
7:20
